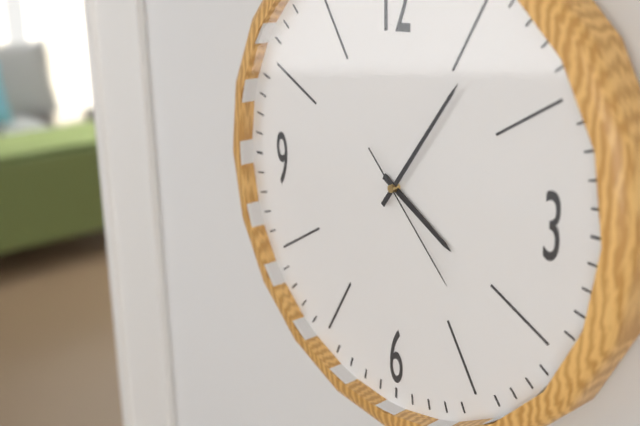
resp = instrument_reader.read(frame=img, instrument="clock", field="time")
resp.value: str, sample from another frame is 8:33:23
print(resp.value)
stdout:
4:06:23
